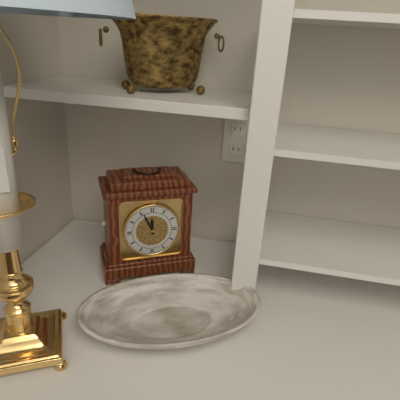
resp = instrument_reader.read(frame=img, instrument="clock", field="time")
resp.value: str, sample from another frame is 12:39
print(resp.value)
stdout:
11:56
